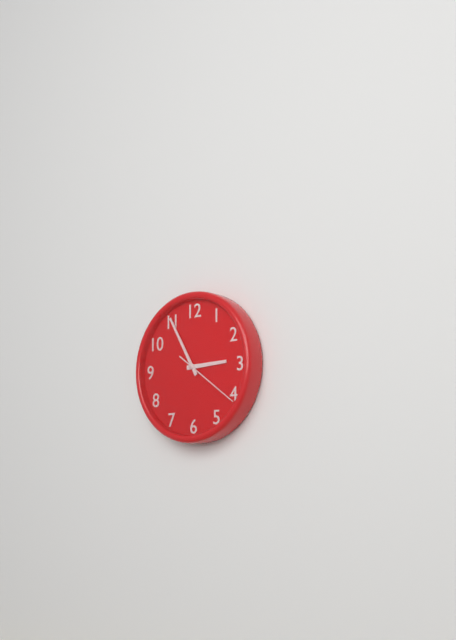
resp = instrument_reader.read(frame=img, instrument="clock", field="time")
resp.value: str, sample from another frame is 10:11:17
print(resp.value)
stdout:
2:55:21
